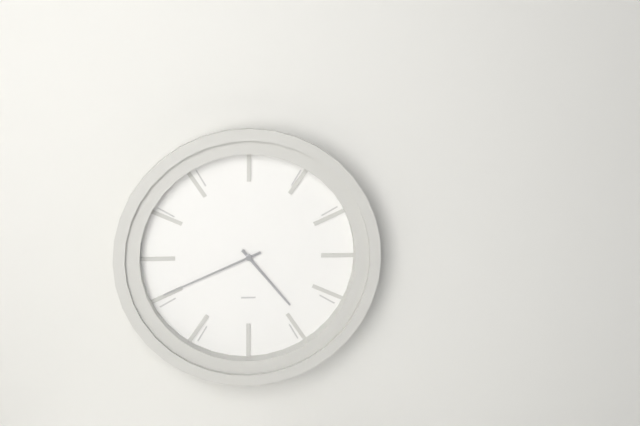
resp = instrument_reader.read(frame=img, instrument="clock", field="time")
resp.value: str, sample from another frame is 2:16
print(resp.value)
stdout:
4:41
